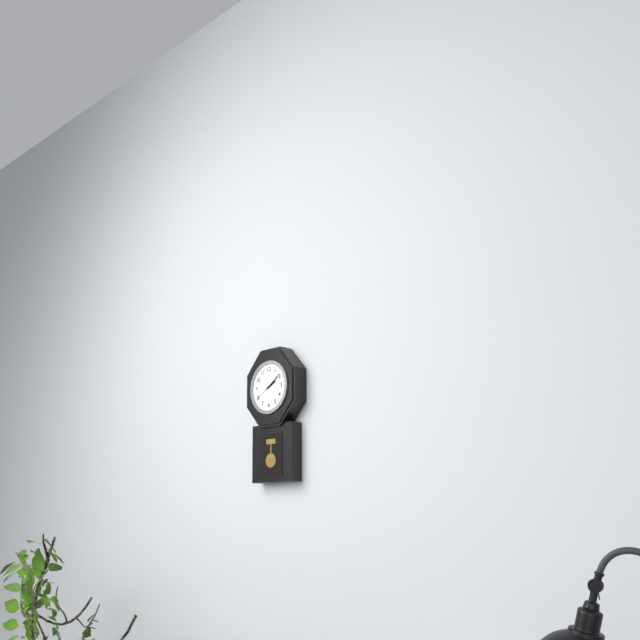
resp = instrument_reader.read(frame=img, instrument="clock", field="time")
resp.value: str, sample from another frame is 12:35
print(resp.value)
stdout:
2:09
